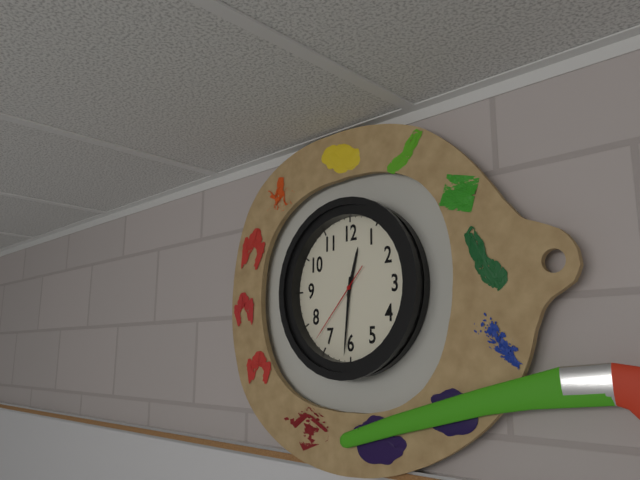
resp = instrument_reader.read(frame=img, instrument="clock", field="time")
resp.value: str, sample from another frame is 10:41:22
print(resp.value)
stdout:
12:31:37
